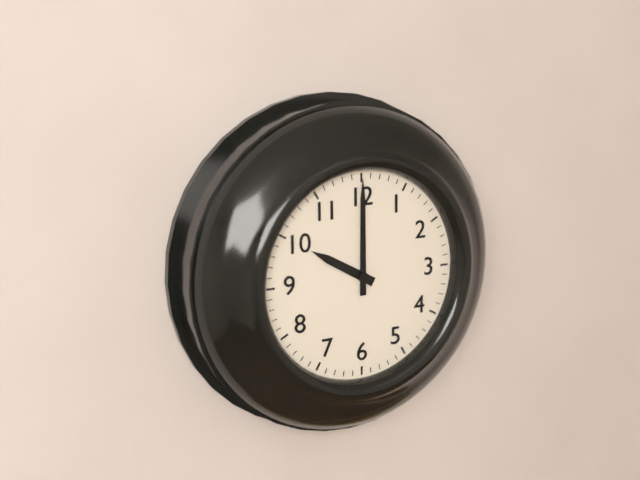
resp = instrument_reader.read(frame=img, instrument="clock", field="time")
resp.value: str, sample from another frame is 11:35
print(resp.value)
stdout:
10:00
